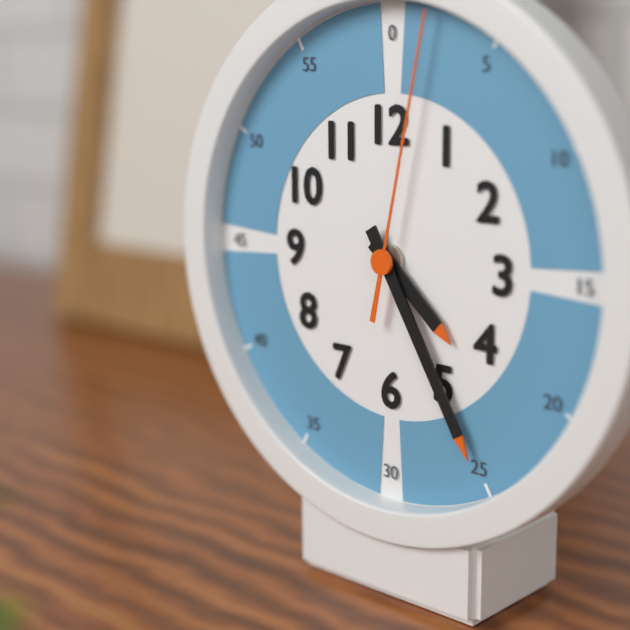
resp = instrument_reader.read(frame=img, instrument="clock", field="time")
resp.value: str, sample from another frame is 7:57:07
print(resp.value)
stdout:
4:25:02
